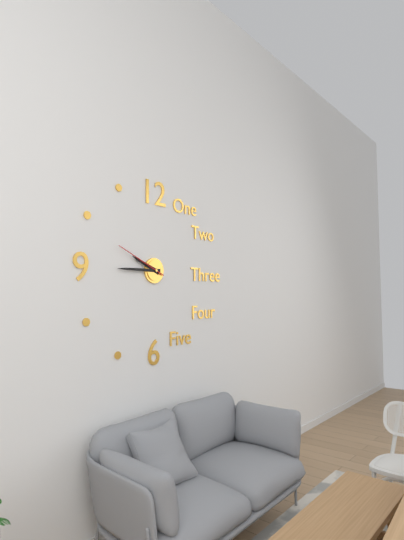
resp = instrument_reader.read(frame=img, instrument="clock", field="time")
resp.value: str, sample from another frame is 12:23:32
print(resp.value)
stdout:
9:45:49
